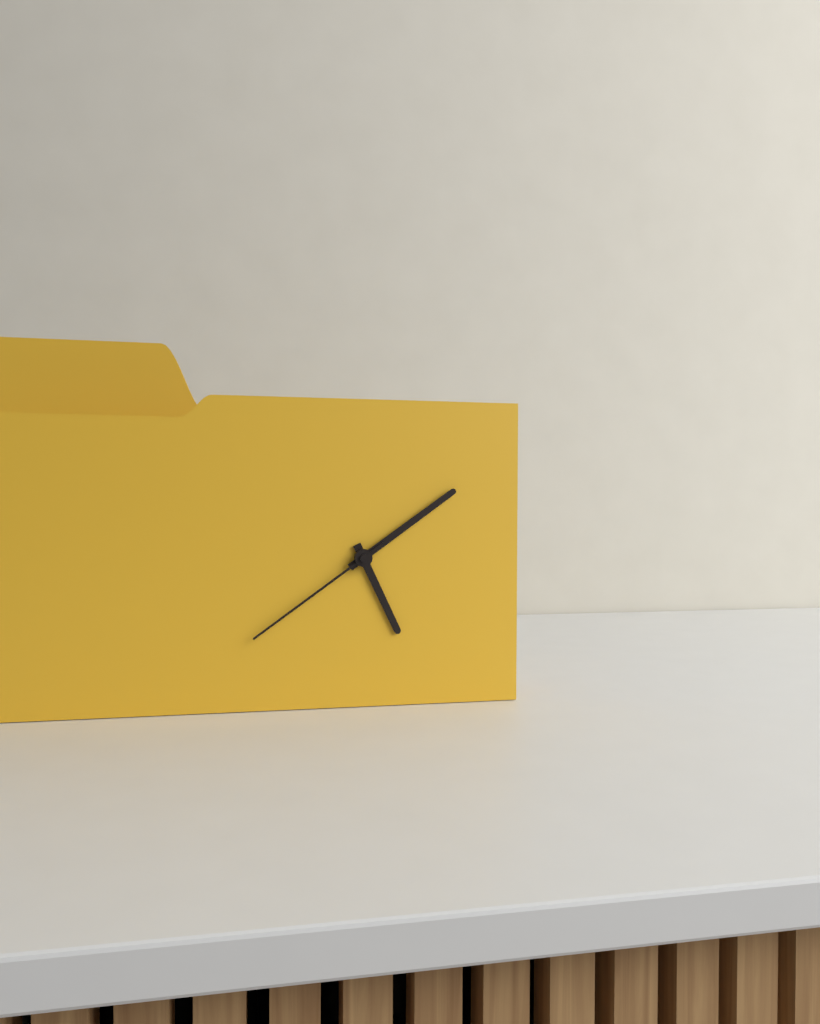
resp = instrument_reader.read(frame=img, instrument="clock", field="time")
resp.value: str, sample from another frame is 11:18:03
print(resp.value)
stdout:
5:09:39
